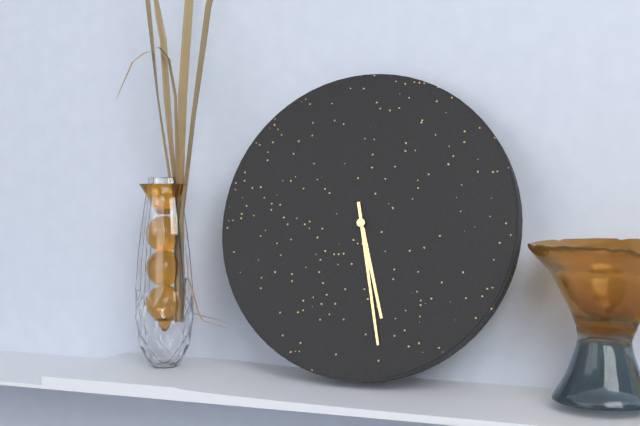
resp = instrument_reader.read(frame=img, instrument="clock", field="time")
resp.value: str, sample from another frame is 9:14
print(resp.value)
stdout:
5:28
